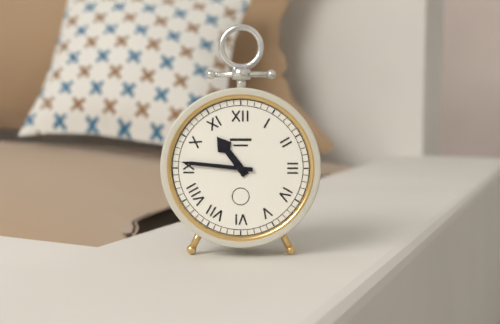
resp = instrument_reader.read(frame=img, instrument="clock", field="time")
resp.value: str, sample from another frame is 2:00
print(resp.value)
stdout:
10:46
